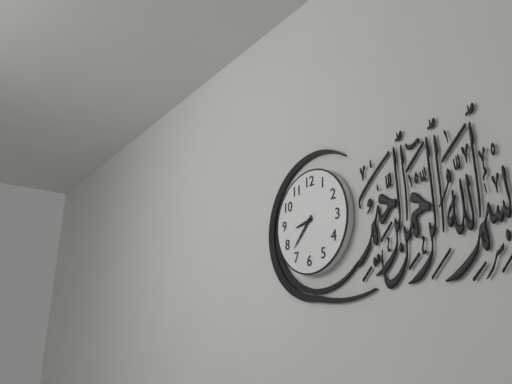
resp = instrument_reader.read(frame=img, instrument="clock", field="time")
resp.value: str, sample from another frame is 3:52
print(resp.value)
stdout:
8:37
